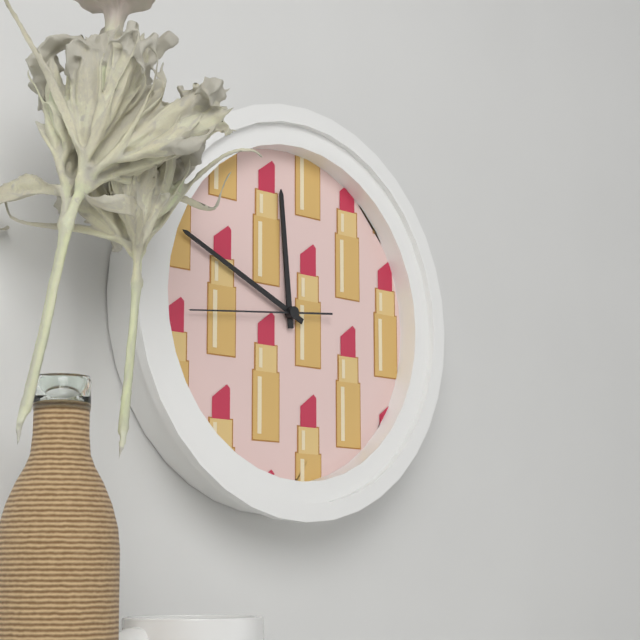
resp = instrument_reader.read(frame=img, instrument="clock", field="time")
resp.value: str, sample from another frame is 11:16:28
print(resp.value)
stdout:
11:49:44
